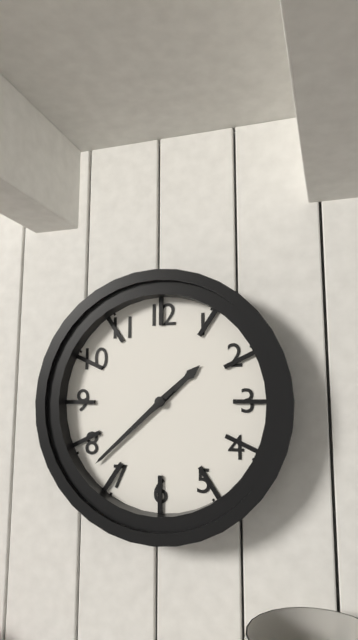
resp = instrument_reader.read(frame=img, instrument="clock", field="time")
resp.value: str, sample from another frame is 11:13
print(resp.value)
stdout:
1:38
